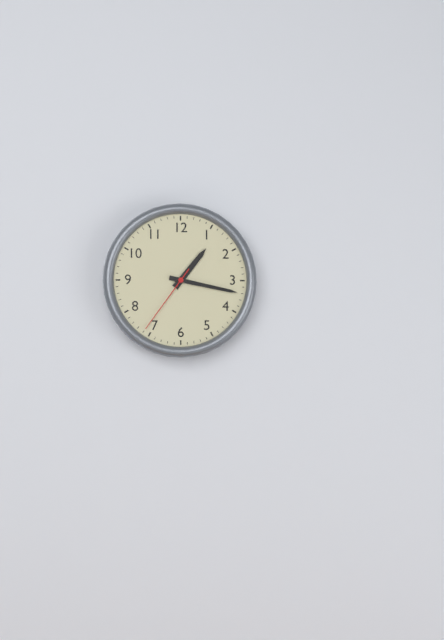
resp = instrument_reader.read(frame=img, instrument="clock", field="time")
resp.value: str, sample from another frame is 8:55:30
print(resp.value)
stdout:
1:17:36
